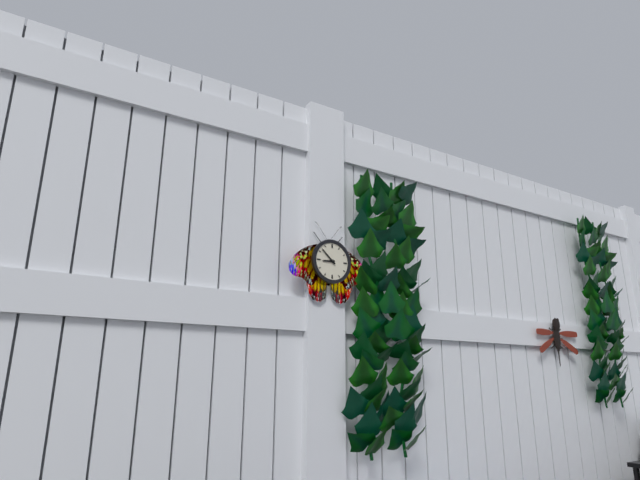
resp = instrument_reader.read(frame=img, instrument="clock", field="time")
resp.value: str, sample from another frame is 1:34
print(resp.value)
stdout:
8:52
